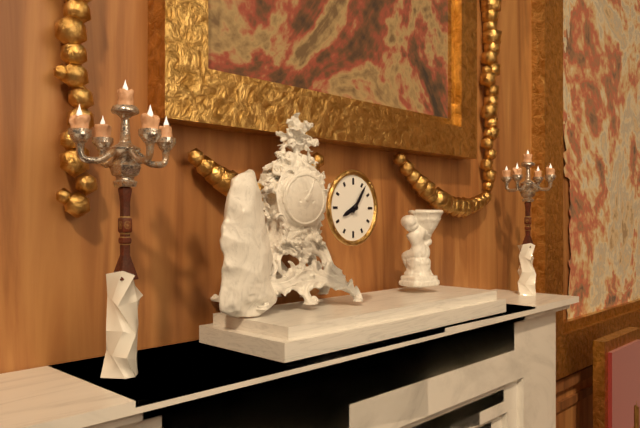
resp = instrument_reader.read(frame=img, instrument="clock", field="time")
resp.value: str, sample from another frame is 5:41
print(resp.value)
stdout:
8:06
